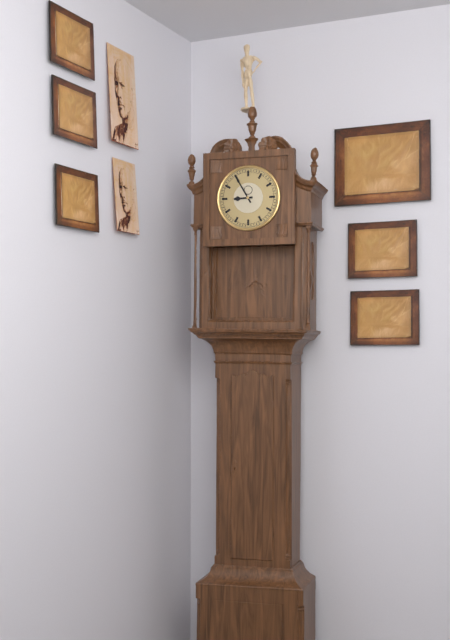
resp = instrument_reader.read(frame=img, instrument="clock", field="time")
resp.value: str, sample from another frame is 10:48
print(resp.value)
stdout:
8:55
